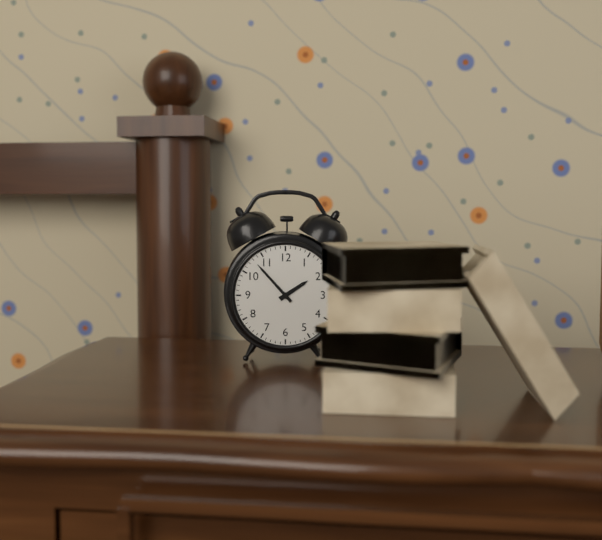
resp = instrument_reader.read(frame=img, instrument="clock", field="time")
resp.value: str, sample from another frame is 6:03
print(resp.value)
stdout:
1:53
